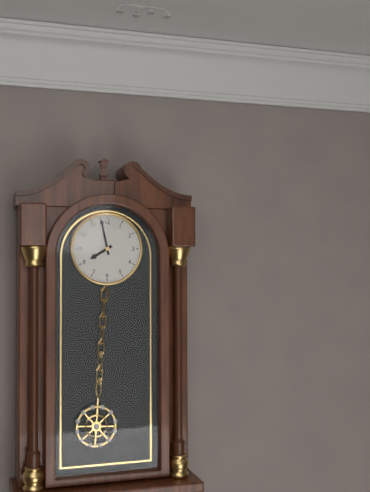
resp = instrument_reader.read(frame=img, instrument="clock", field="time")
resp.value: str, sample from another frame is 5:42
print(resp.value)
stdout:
7:58
